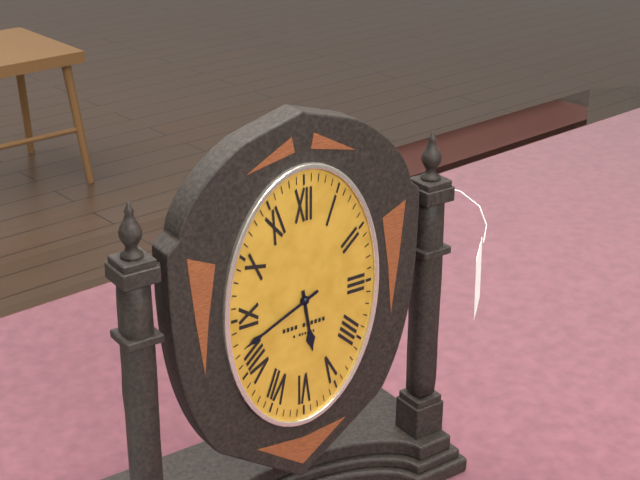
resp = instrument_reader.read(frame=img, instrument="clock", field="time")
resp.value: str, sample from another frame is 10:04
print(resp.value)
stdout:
5:41
